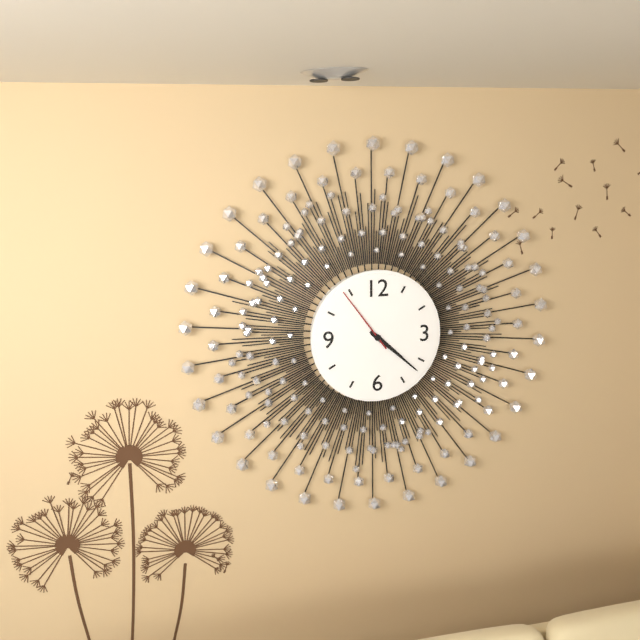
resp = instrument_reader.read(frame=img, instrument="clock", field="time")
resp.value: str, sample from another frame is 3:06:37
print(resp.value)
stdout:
4:22:54
